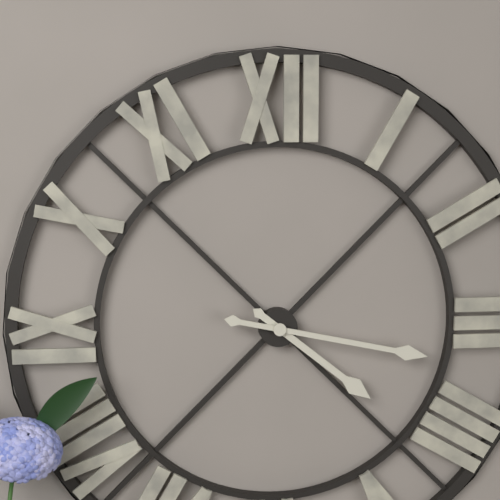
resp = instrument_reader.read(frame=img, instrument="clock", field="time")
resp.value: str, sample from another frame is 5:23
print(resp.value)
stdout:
4:17
